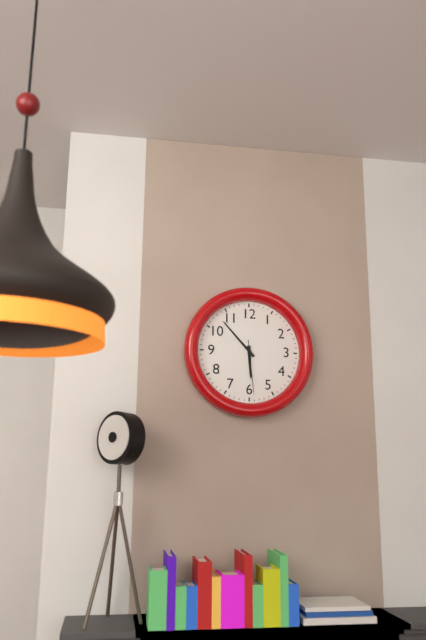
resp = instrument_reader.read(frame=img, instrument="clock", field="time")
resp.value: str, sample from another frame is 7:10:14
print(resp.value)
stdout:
5:53:29
